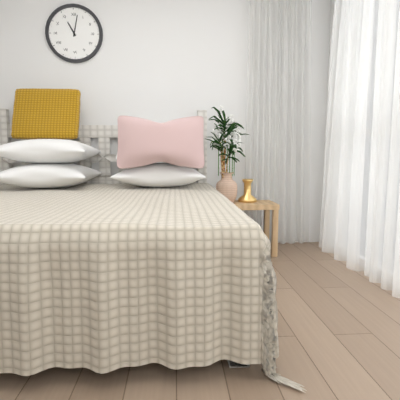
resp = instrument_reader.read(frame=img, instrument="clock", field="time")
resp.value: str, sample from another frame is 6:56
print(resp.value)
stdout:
11:02
